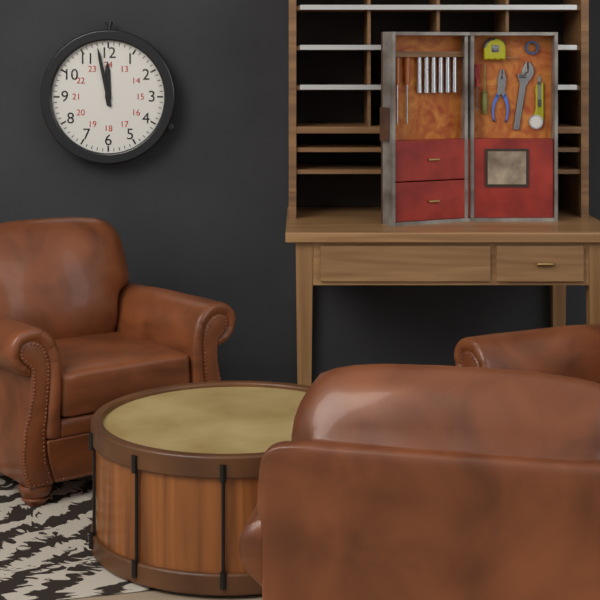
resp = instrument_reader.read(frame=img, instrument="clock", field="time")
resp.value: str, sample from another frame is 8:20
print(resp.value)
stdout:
11:58
